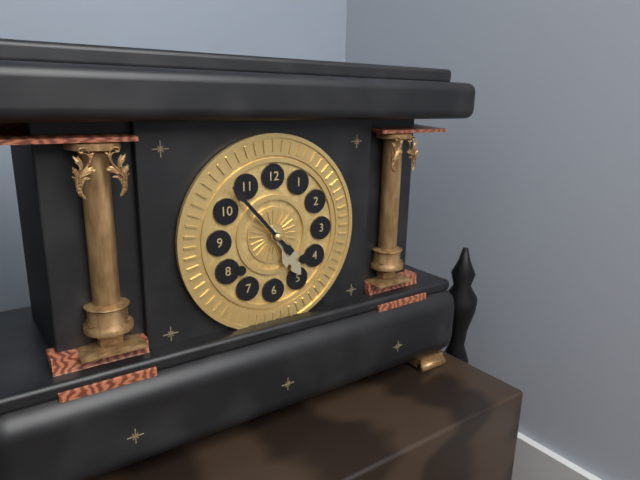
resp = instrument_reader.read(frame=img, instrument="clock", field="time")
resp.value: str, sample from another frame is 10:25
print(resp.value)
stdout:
4:53
